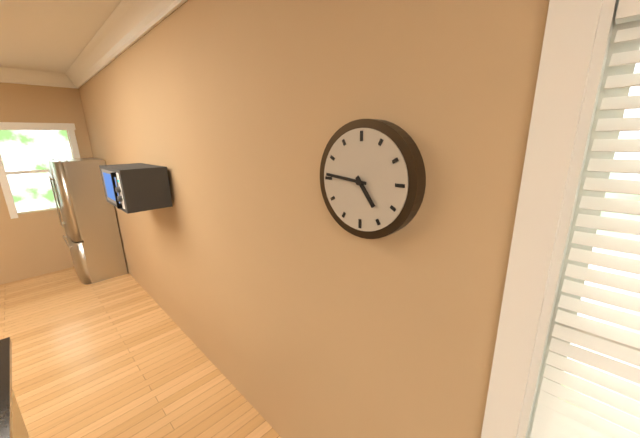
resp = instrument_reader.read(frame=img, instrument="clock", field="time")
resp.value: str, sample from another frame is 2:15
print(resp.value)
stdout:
4:46
